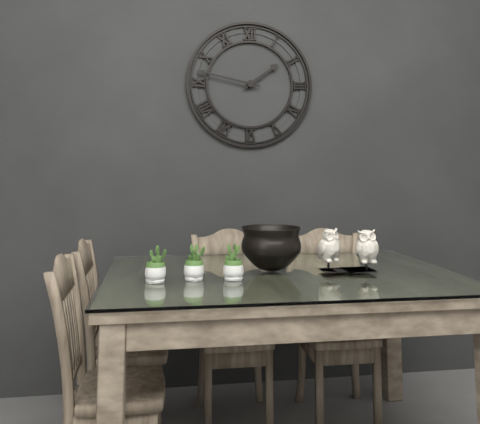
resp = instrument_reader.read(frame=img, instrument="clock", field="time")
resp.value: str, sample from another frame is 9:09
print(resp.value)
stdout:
1:47
